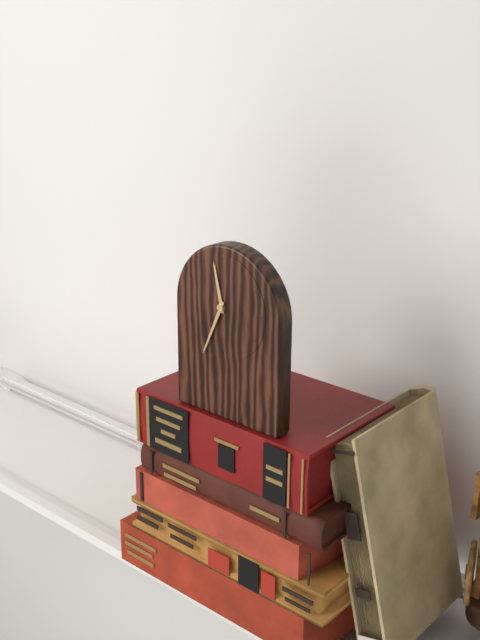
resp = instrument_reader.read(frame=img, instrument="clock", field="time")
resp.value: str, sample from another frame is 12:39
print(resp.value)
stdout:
11:34
